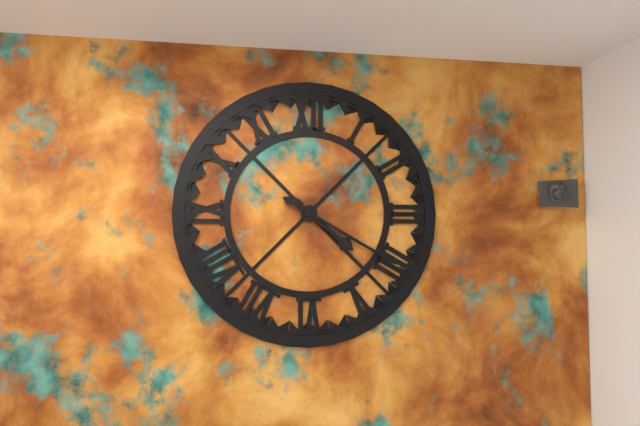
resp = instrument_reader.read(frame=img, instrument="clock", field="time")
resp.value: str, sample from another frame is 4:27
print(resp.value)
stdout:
4:20
